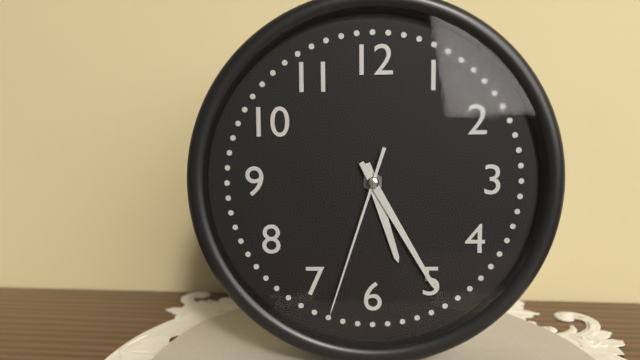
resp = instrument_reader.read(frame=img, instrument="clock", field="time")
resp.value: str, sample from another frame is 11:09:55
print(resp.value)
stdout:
5:25:33
